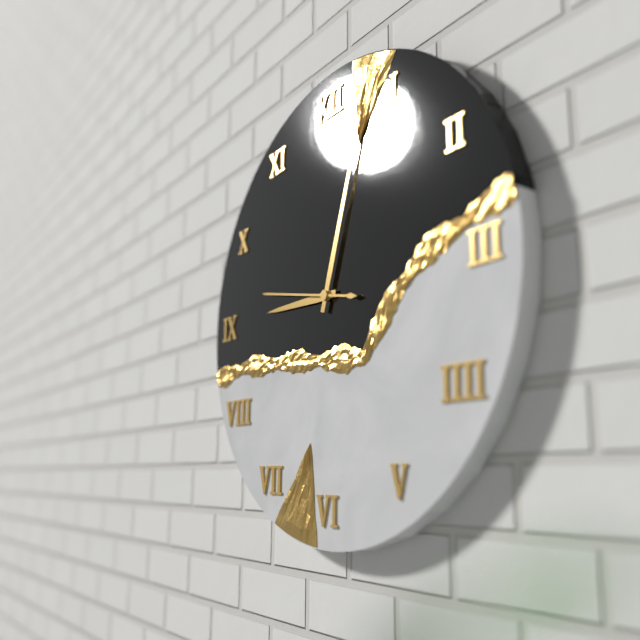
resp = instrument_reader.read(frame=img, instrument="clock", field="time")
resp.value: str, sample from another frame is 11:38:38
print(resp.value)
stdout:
9:03:47
